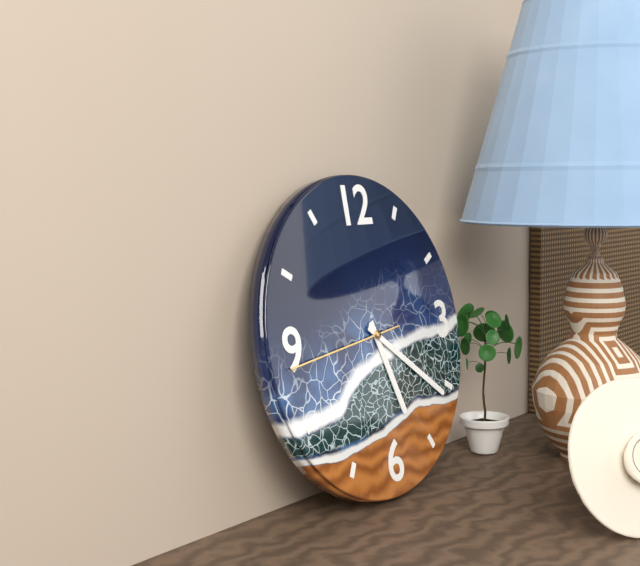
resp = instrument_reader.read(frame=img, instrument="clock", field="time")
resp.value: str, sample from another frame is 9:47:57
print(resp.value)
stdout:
5:21:44
